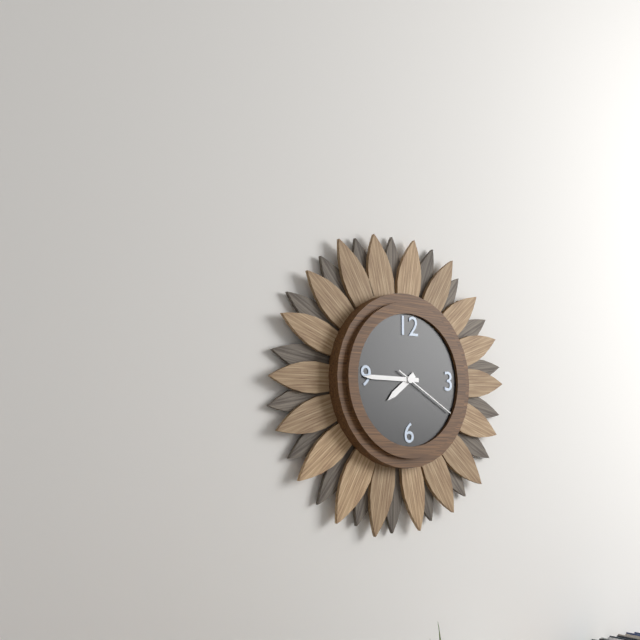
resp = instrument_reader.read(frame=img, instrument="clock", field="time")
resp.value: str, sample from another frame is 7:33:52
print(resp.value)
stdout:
7:45:20
